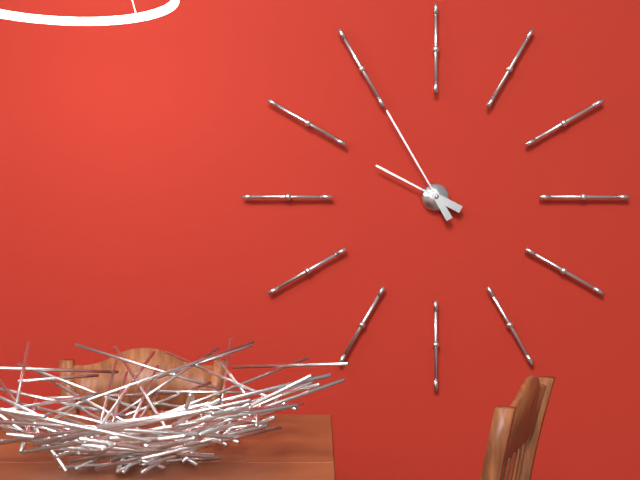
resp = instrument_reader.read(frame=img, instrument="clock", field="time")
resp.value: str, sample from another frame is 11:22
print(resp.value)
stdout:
9:55
